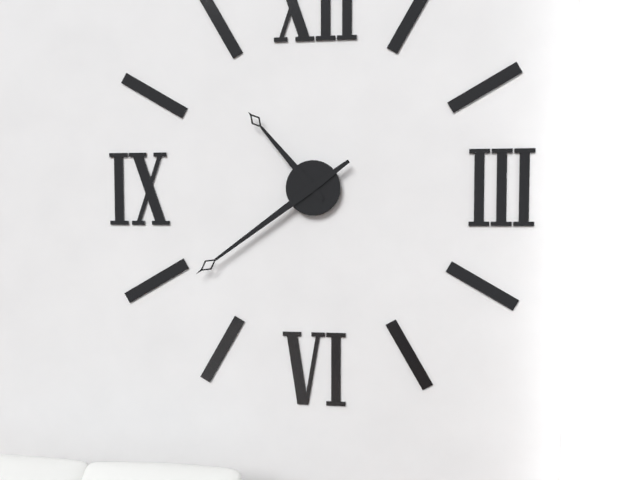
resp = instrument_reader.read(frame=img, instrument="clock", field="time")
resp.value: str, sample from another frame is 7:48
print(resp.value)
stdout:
10:39
